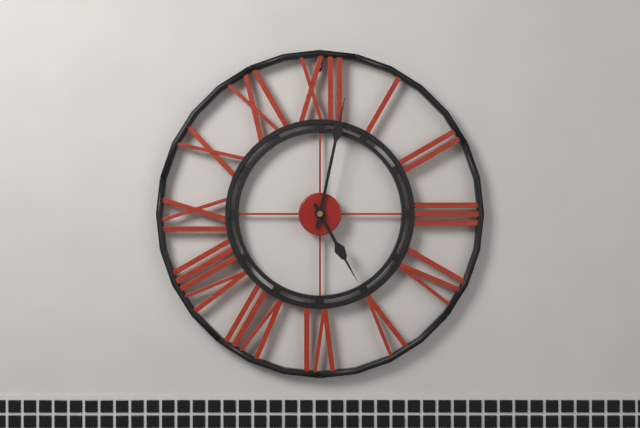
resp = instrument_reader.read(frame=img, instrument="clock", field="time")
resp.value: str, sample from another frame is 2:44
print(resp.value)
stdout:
5:02
